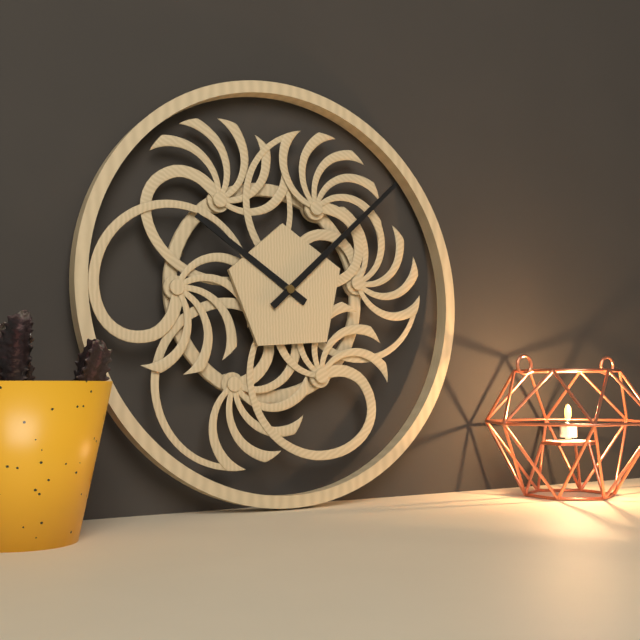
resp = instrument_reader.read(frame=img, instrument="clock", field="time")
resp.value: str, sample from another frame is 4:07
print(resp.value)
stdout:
10:08
